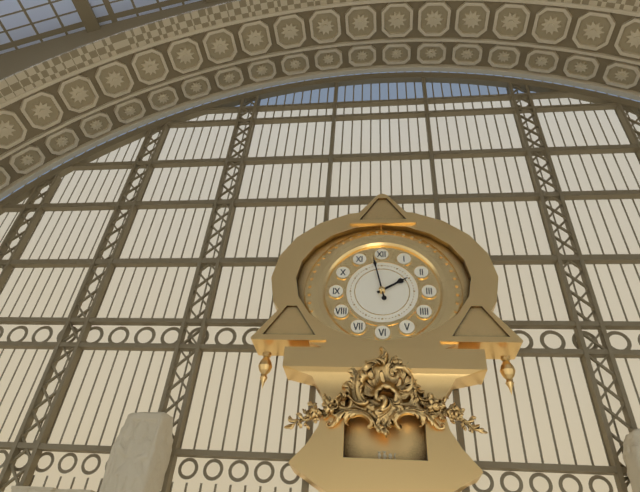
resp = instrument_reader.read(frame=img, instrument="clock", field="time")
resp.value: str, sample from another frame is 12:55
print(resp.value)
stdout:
1:58
